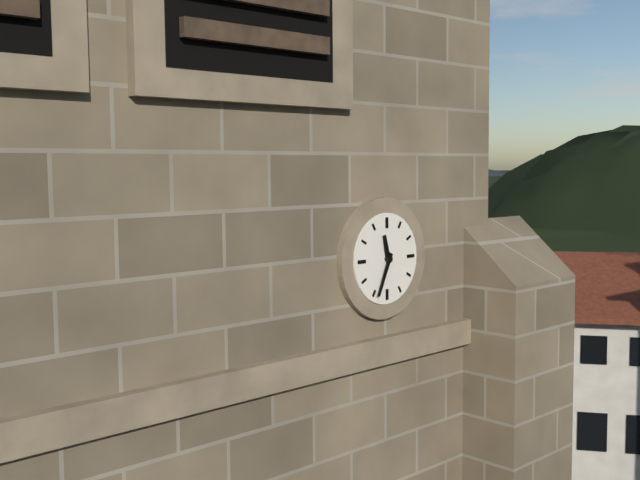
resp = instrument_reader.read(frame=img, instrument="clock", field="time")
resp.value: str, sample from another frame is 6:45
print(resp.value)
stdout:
11:34
